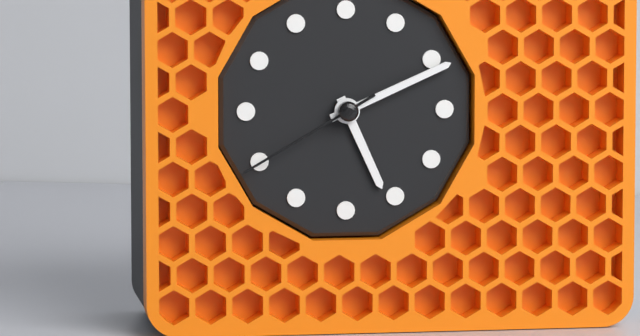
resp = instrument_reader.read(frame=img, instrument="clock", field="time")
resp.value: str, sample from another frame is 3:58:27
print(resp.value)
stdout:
5:11:40
